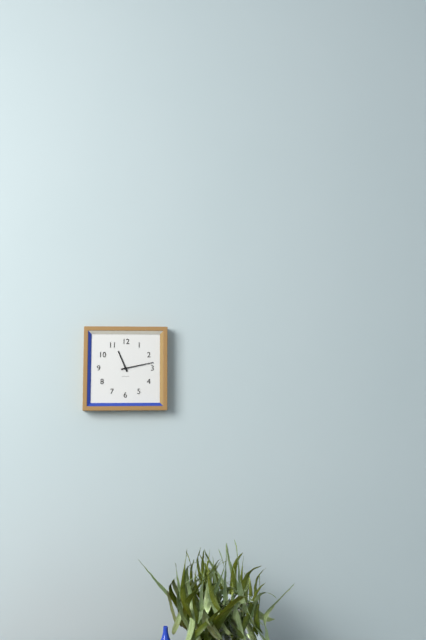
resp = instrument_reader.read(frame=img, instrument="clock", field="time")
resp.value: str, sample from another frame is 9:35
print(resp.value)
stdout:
11:13
